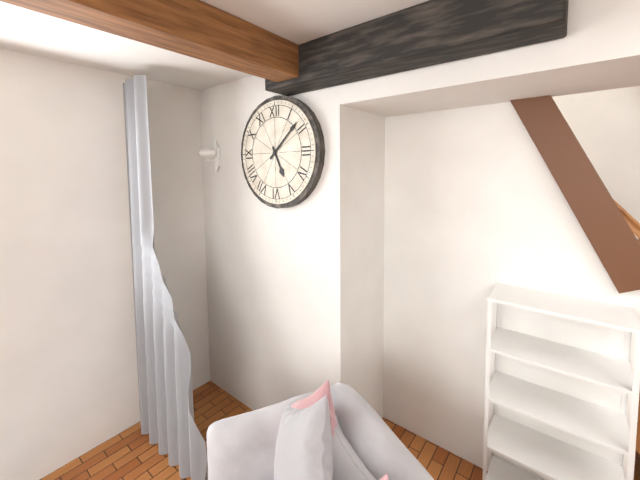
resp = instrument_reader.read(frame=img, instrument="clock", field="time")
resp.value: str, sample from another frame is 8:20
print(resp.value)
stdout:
5:08
